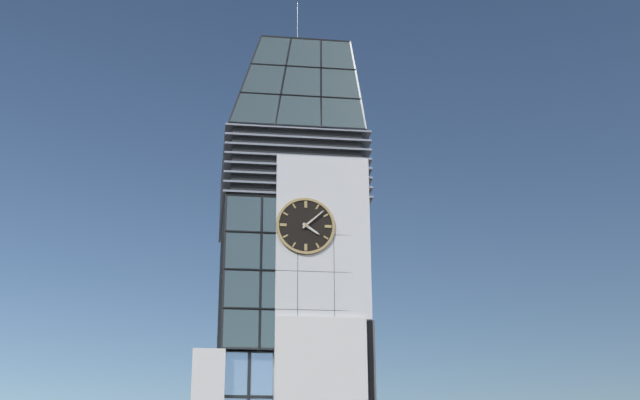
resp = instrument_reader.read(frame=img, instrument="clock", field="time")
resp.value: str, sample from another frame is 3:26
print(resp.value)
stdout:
4:08
